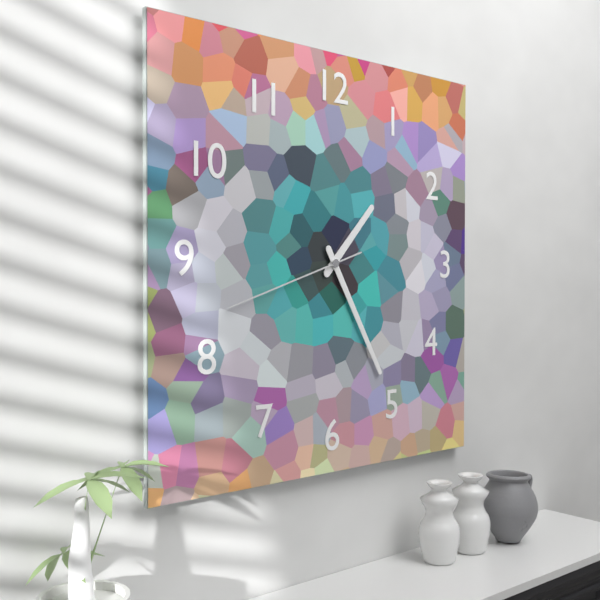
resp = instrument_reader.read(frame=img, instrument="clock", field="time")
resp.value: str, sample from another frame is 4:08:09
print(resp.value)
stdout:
1:25:42
